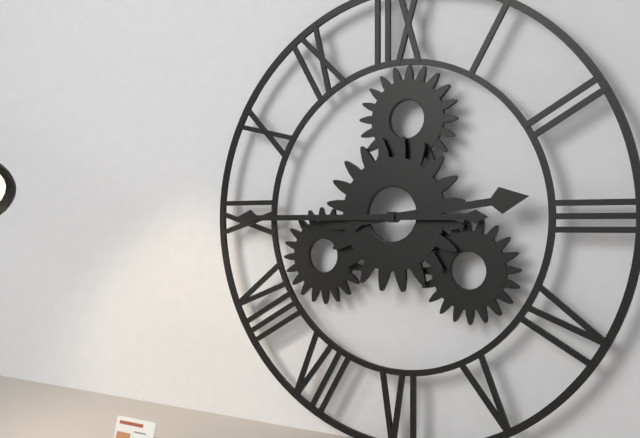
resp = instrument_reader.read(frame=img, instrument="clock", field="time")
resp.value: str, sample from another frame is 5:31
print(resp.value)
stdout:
2:45
